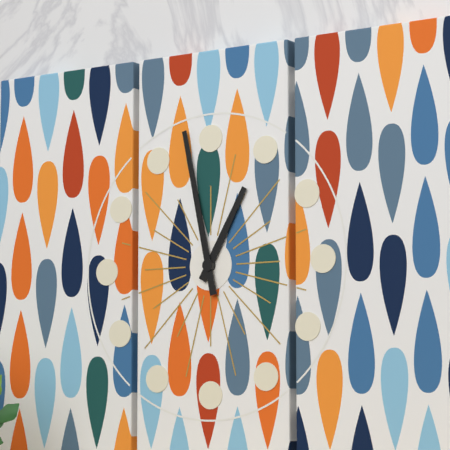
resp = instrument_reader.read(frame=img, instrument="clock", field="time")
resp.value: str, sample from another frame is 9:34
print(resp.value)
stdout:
12:58
